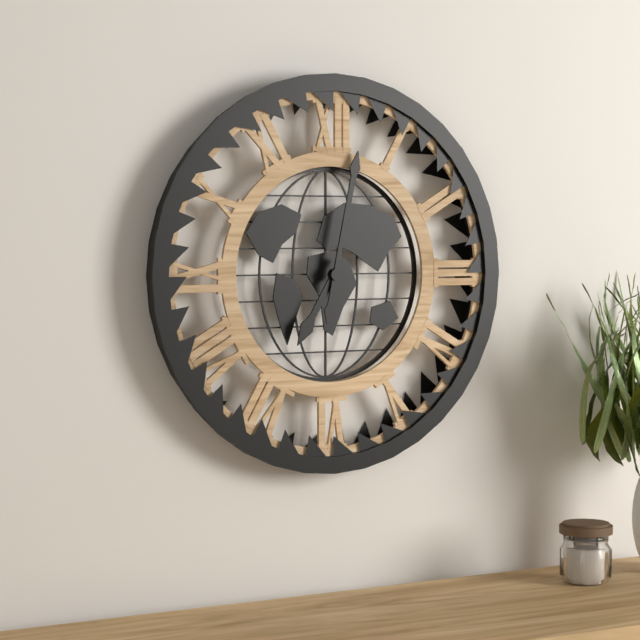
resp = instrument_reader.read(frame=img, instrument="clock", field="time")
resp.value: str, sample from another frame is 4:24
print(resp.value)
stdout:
7:02
